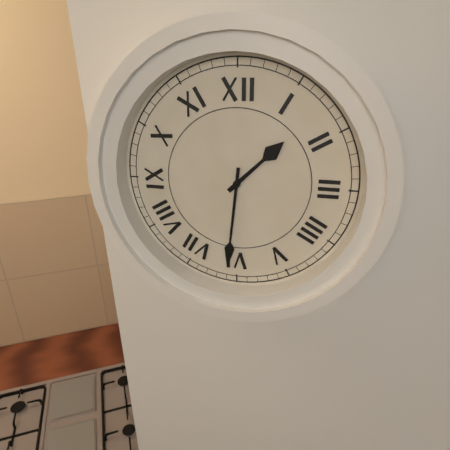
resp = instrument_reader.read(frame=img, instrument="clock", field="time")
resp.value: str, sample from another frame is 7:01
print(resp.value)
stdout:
1:31
